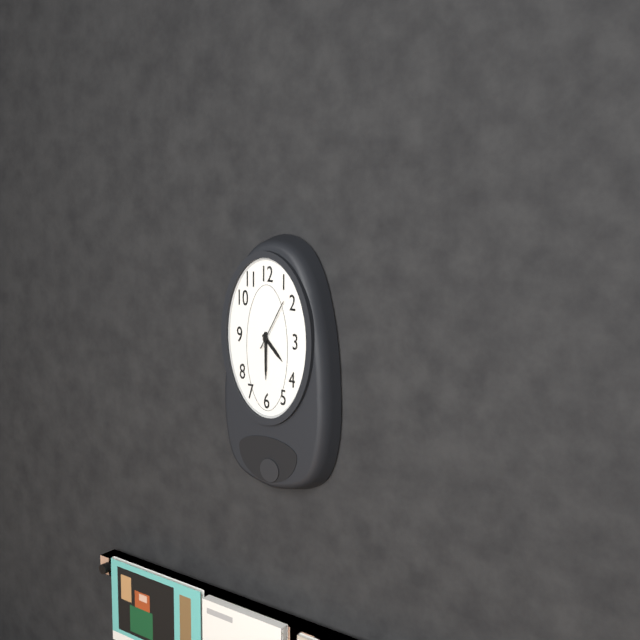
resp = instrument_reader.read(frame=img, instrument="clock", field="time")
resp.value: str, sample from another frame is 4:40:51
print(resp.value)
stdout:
4:30:05
